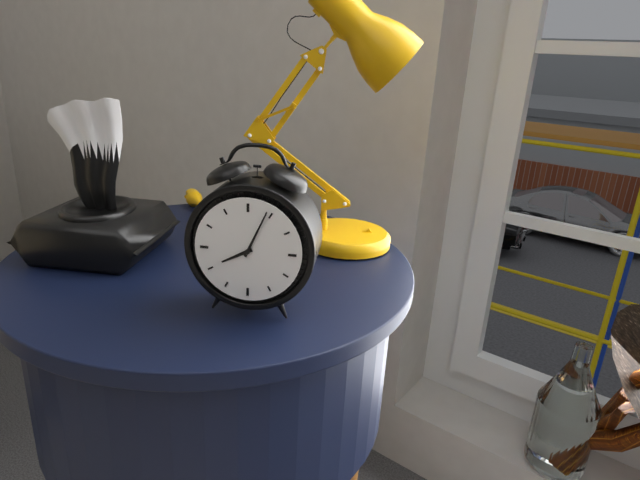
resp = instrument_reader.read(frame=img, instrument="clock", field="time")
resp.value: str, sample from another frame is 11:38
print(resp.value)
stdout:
8:04
